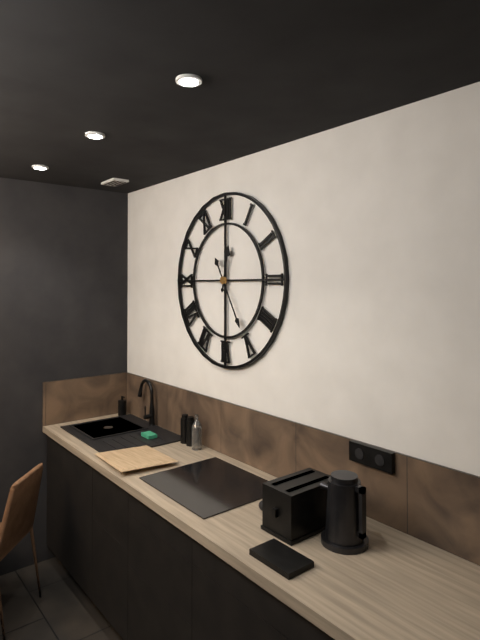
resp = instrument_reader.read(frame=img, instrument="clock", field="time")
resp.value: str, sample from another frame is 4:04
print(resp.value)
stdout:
12:25
